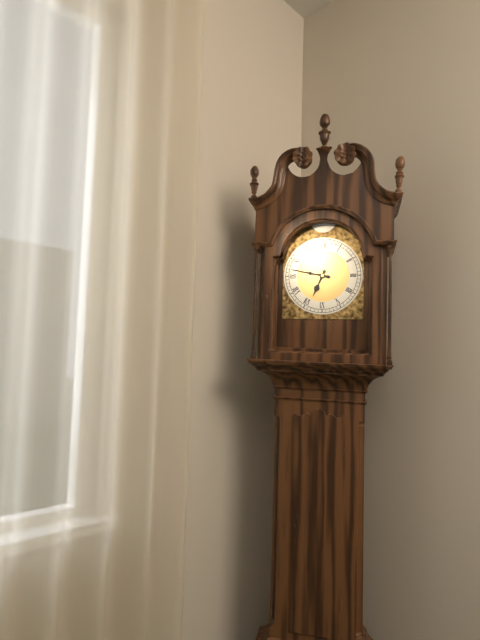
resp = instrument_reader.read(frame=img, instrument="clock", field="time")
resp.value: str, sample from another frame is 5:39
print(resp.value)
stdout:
6:47
